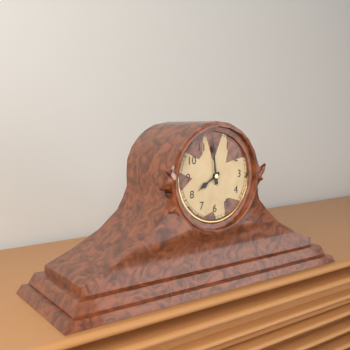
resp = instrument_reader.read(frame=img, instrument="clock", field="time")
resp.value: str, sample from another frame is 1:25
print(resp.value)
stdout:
7:59
